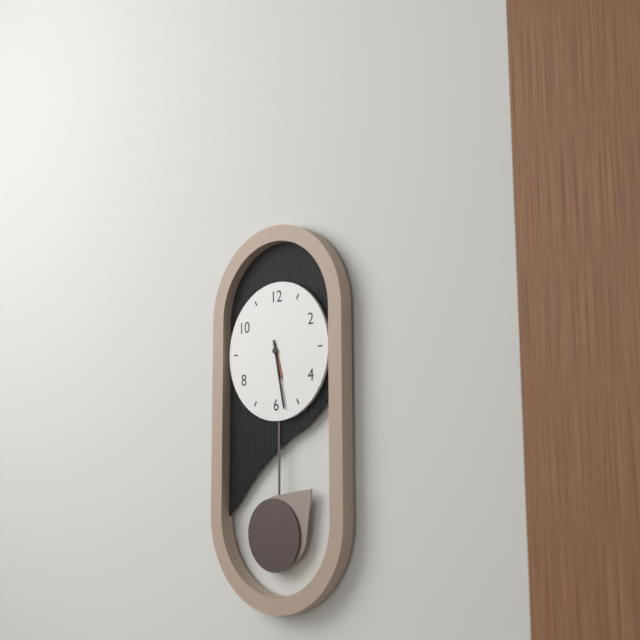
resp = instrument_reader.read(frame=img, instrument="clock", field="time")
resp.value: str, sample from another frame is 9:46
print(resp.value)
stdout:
5:28
